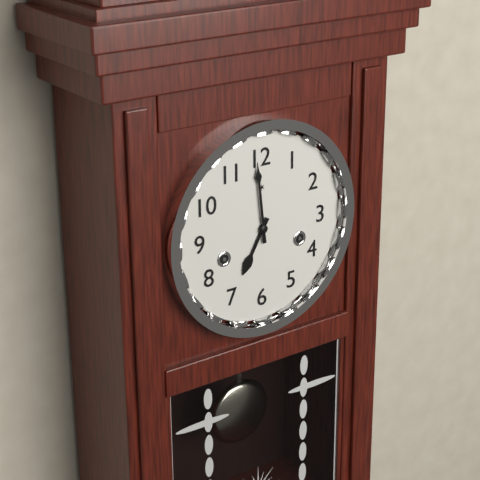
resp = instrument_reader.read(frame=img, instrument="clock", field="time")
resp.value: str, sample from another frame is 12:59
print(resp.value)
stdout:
6:59
